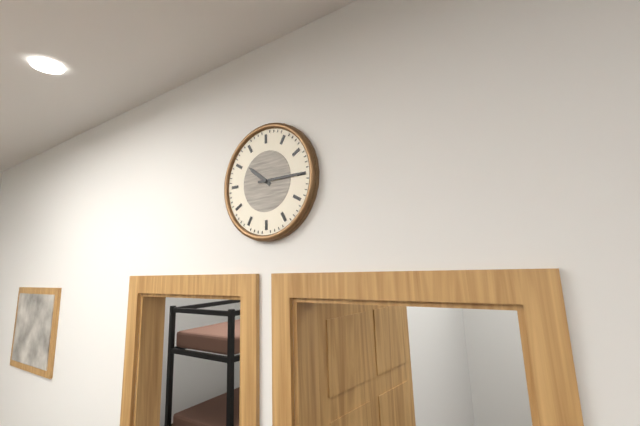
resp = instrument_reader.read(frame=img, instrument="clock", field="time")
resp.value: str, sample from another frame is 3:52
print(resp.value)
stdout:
10:15
